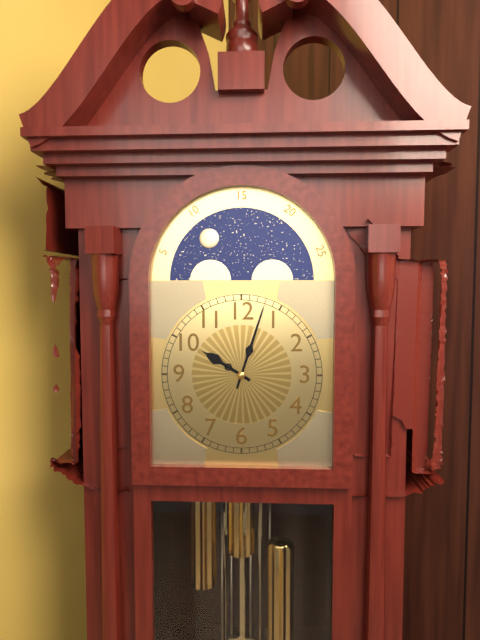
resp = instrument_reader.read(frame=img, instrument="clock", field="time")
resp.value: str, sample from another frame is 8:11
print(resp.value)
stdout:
10:03
